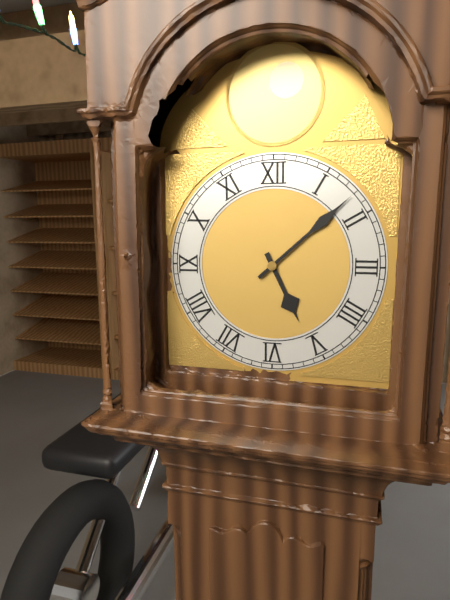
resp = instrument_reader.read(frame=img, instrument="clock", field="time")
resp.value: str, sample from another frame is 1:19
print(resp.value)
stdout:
5:08
